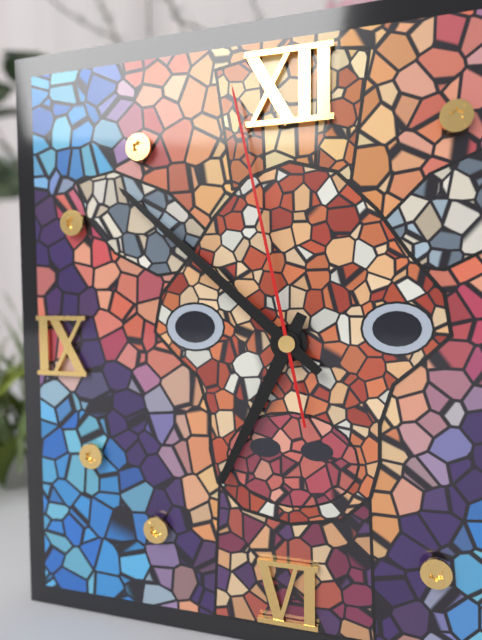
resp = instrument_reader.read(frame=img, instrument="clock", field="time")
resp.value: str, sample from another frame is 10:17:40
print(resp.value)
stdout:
6:52:58
